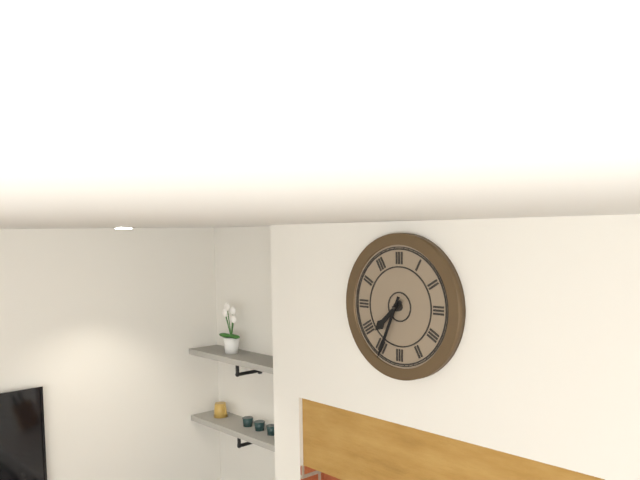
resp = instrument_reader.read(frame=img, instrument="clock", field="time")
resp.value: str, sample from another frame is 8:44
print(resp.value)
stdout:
7:34
